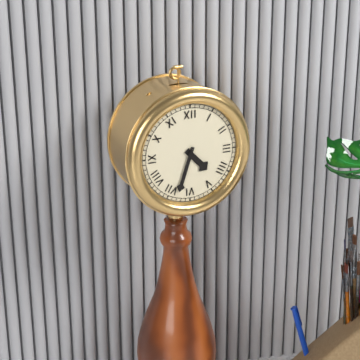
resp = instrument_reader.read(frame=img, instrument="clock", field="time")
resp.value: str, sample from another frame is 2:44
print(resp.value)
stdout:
4:33
